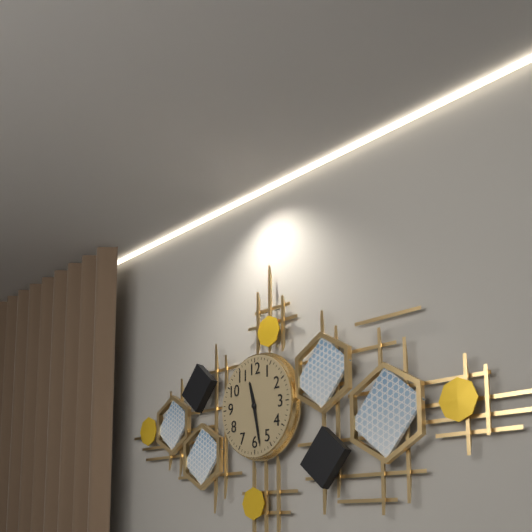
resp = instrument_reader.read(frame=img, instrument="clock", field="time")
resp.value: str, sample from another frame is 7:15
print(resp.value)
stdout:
11:28
